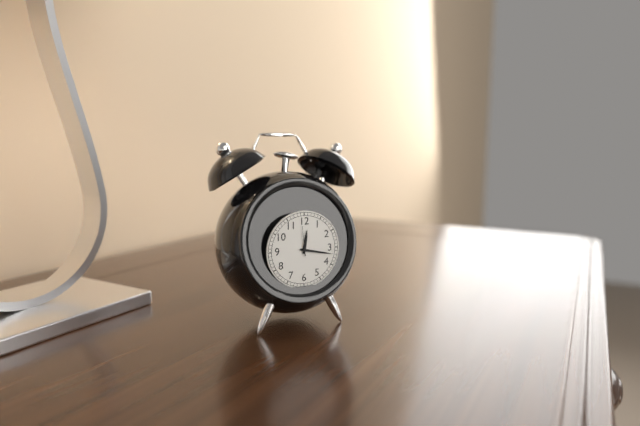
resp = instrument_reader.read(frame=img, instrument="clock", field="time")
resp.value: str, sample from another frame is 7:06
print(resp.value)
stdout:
12:17
